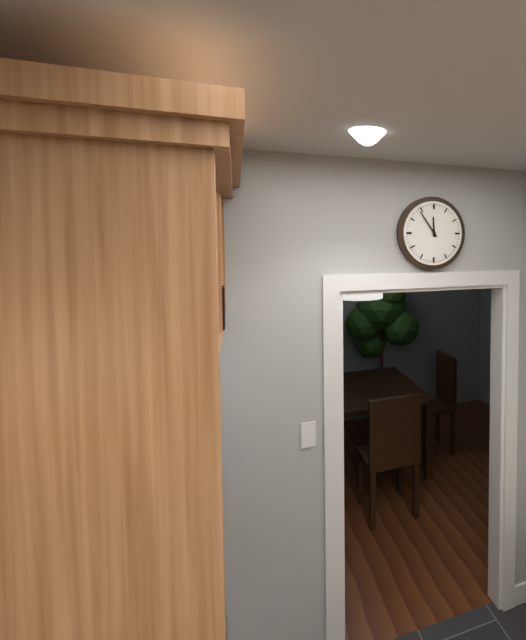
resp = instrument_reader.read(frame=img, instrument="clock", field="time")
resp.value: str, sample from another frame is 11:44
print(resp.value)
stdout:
11:54
